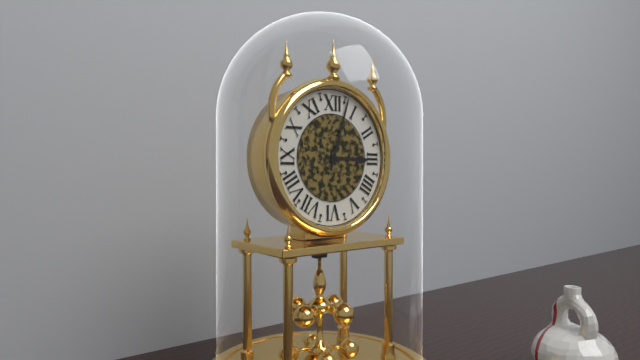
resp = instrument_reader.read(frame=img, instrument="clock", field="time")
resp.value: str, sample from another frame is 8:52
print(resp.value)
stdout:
3:03
